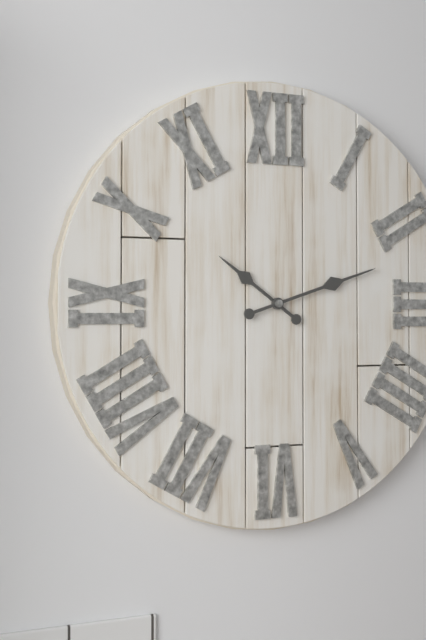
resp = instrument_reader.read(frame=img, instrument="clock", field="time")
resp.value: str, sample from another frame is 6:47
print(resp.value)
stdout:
10:12
